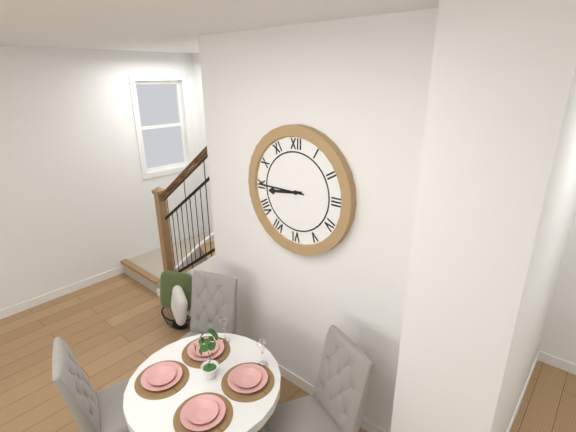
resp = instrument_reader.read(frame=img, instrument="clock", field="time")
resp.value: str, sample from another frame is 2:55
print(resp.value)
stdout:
8:45
